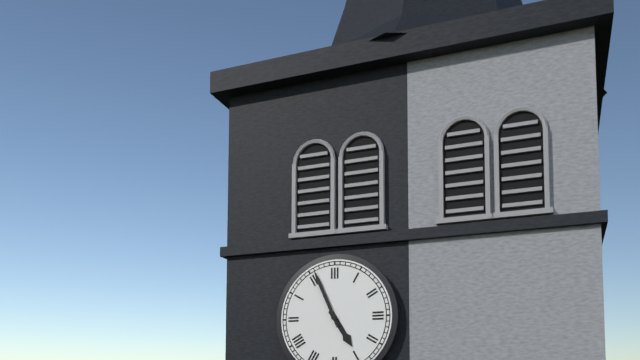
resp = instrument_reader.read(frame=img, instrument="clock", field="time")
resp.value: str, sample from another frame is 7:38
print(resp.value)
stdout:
4:56
